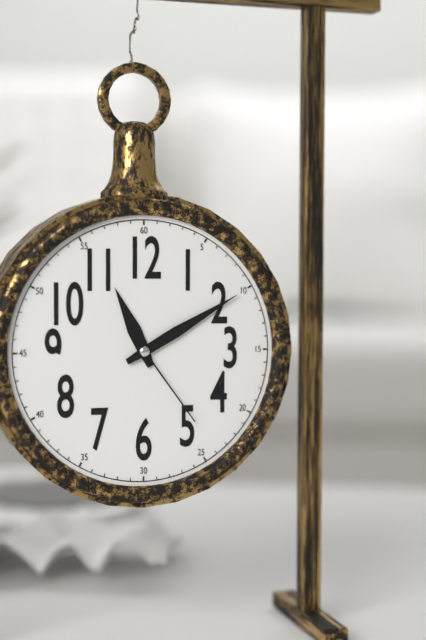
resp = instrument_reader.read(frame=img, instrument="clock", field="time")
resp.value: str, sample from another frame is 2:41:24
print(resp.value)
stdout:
11:10:24
